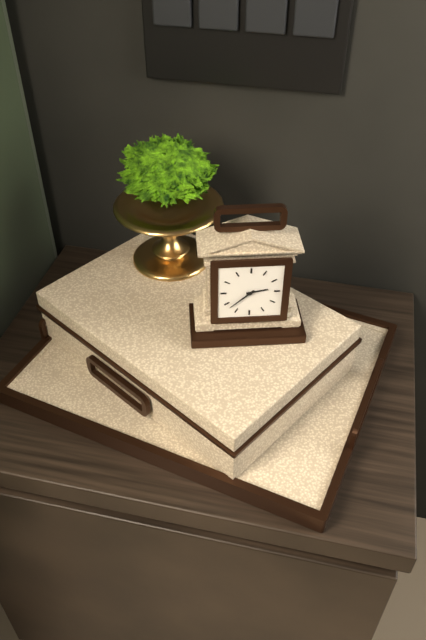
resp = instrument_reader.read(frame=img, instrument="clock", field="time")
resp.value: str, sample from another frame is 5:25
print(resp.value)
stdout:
2:38
